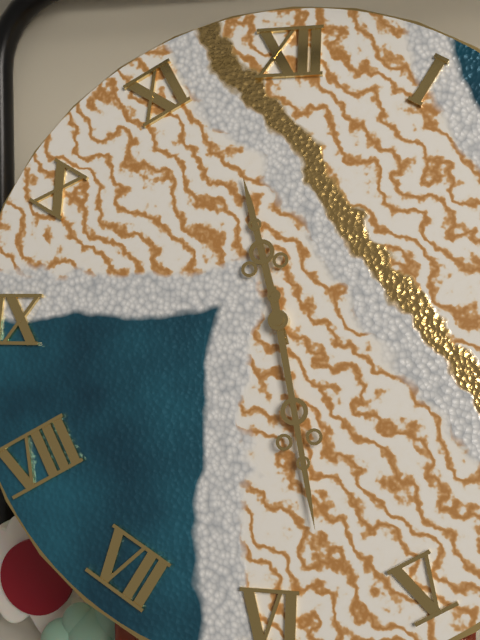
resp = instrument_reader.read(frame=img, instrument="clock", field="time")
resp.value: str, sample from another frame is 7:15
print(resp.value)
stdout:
11:28
